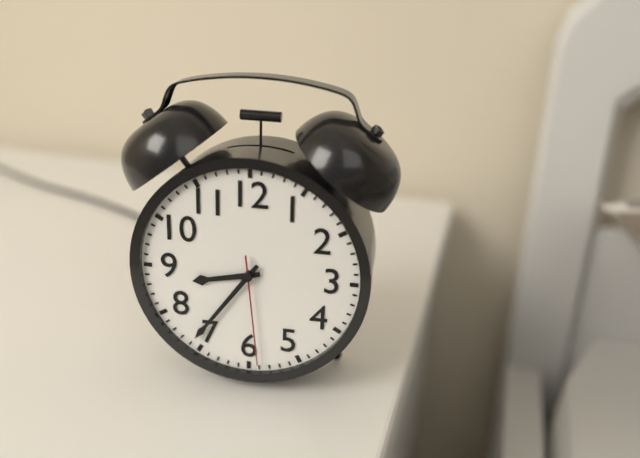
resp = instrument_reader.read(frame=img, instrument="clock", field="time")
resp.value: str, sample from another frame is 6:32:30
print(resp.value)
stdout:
8:36:29
